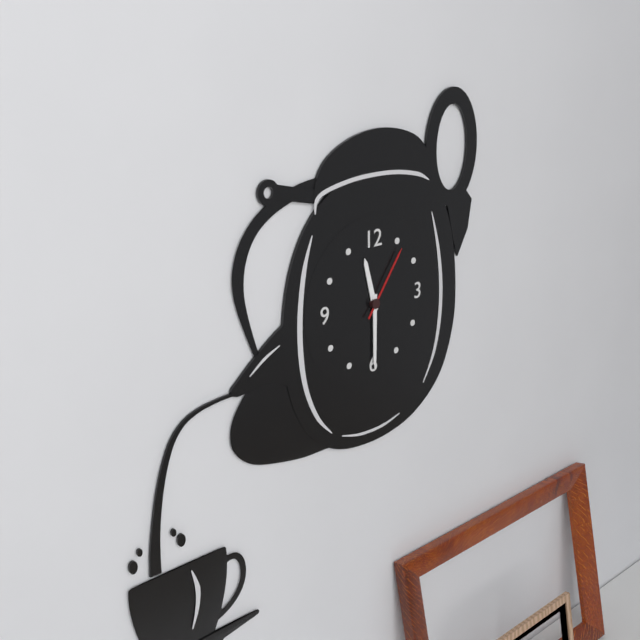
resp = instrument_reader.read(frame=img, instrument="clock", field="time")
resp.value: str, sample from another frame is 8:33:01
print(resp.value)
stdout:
11:30:06
